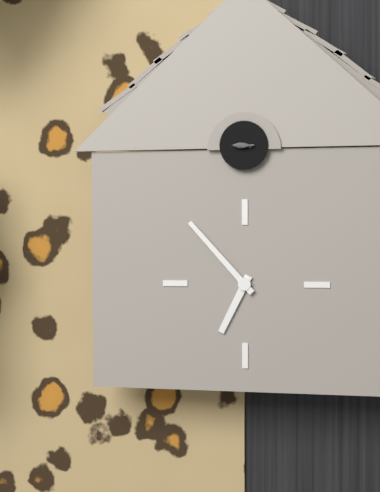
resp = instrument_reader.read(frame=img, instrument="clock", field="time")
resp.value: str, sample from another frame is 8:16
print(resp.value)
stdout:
6:53
